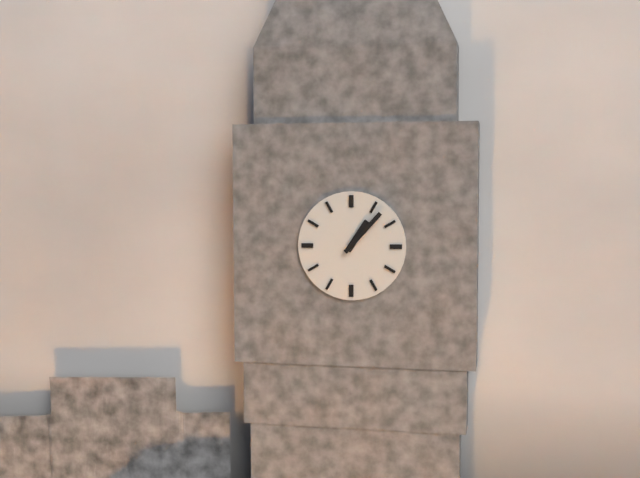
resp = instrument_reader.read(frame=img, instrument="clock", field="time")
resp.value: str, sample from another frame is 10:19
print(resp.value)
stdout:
1:07
